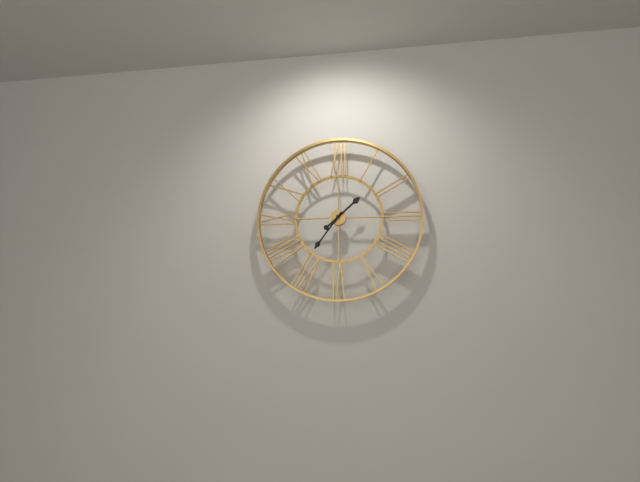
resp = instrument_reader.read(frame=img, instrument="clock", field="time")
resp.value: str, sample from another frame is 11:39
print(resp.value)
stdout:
1:36
